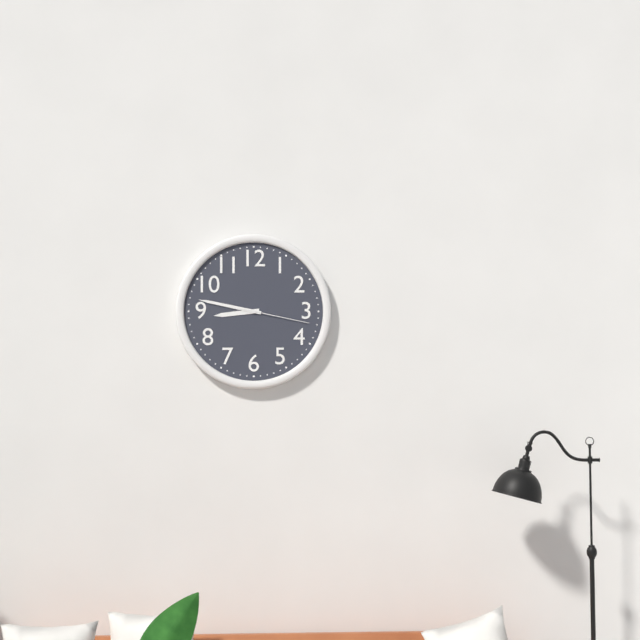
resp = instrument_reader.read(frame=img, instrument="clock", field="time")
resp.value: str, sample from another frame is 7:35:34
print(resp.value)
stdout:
8:47:17
